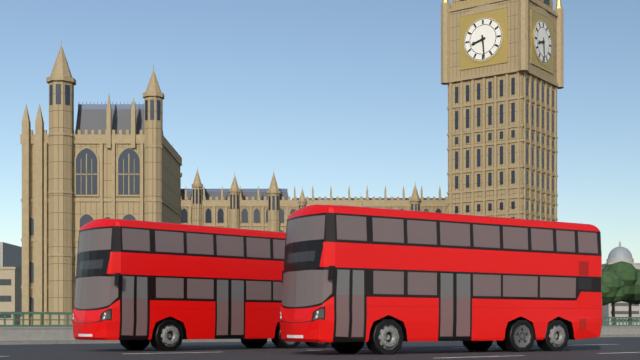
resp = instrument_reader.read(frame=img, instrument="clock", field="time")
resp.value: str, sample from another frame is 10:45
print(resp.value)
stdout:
8:29
